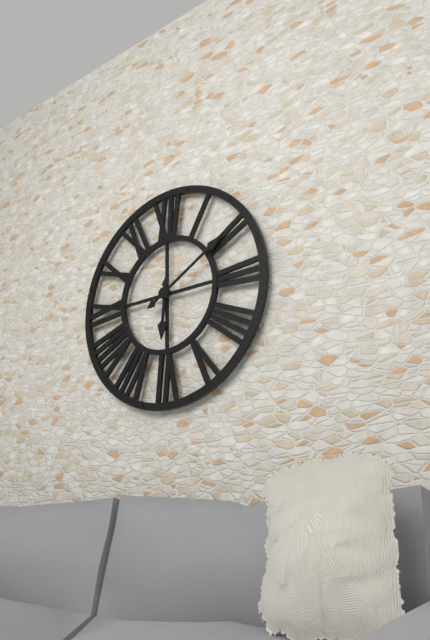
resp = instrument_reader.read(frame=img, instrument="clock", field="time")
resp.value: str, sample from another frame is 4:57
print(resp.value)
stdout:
6:10
